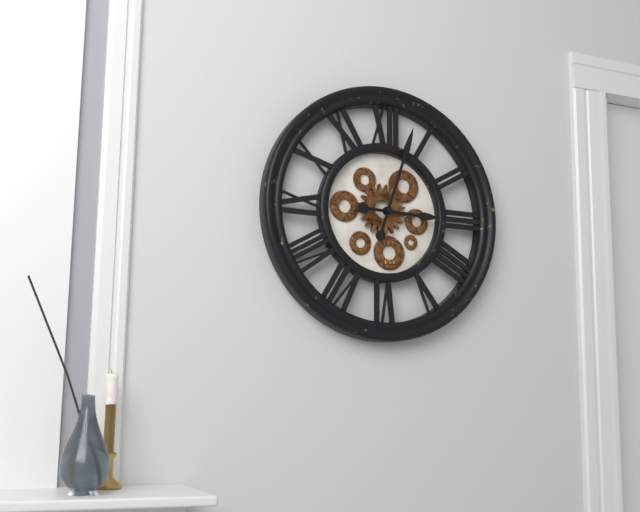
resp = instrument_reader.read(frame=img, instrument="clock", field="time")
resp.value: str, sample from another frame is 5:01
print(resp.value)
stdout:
3:03
